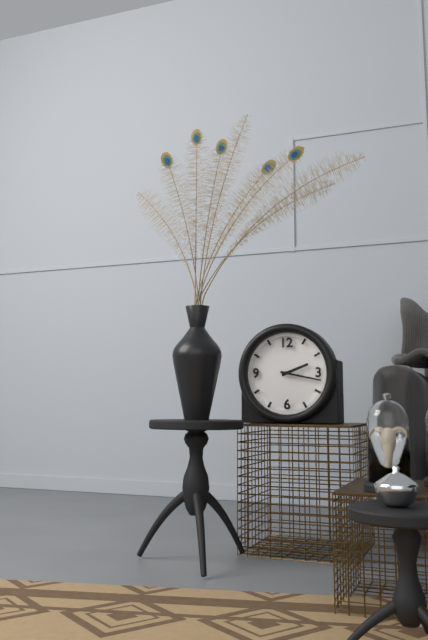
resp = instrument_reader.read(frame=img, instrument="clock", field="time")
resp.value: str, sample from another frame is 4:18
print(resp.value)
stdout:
2:17
